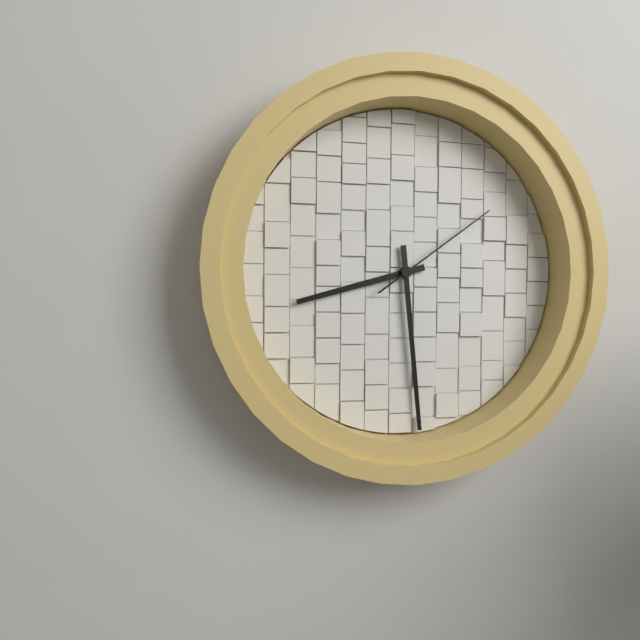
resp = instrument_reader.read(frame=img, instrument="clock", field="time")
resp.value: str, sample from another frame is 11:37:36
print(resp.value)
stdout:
8:29:09
